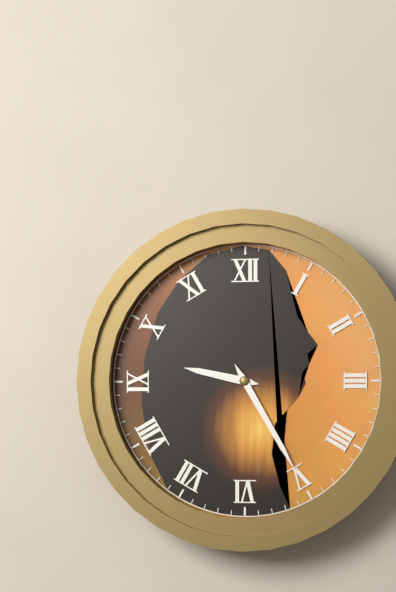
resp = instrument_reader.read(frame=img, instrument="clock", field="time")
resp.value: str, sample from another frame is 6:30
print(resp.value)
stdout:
9:25
